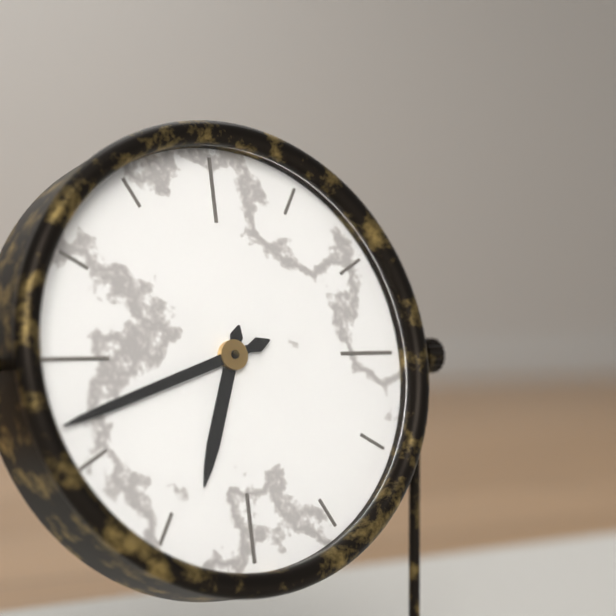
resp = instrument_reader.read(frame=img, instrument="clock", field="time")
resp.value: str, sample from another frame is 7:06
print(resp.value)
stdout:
6:42
